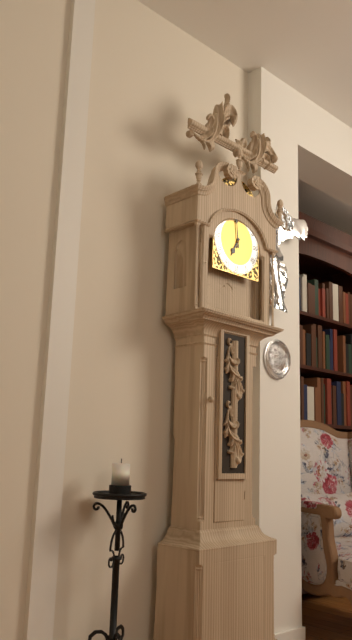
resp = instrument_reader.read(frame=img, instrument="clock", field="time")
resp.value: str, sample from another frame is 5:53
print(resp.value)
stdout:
6:59
